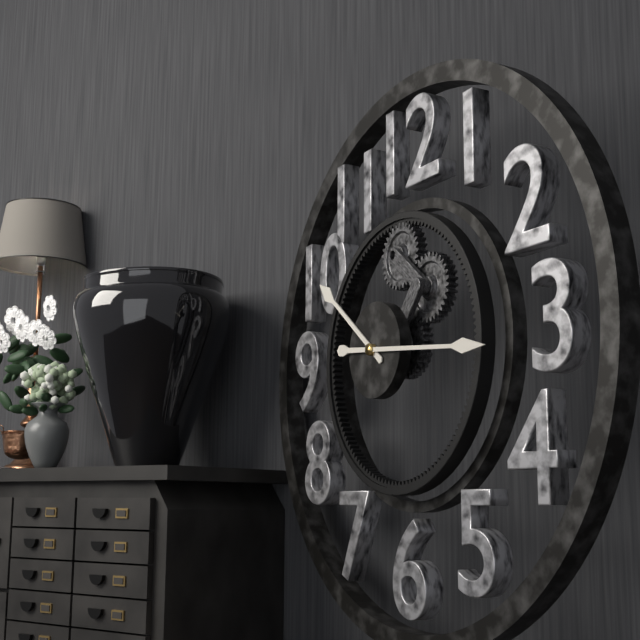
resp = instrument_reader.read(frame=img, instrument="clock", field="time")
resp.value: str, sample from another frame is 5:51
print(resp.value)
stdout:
10:16
